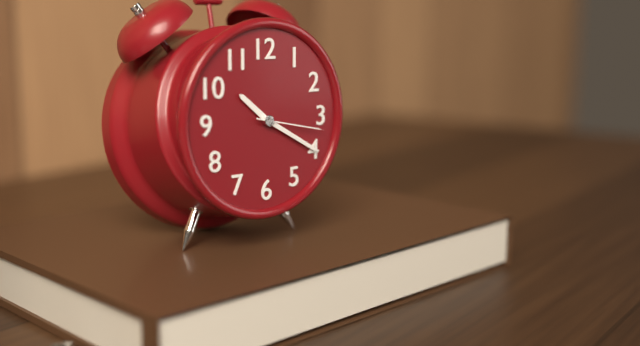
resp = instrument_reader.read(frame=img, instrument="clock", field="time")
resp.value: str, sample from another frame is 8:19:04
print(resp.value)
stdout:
10:20:17
